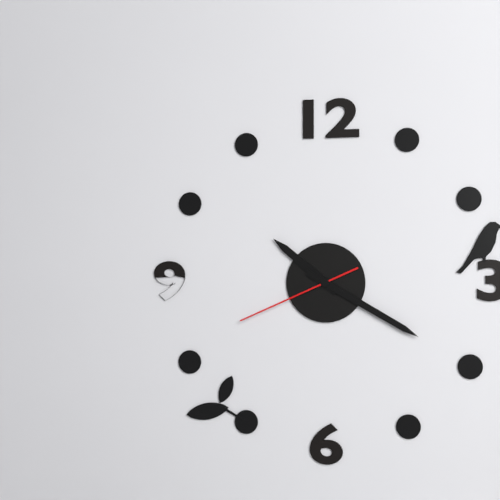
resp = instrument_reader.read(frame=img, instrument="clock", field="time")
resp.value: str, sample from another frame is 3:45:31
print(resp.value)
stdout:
10:20:41
